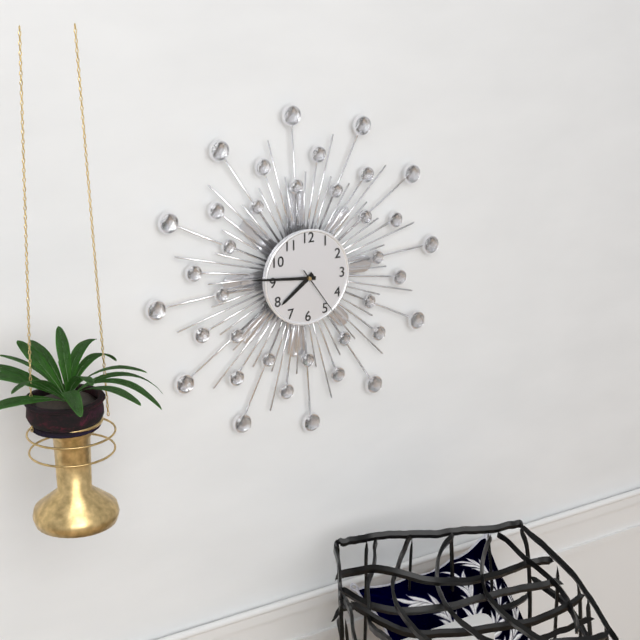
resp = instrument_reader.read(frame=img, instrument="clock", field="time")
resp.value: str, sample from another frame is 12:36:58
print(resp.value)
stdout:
7:46:24
